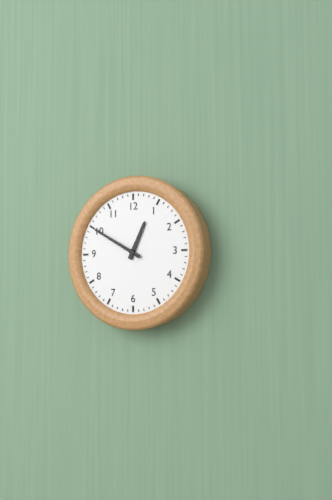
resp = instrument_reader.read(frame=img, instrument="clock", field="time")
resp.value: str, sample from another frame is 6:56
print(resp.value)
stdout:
12:50
